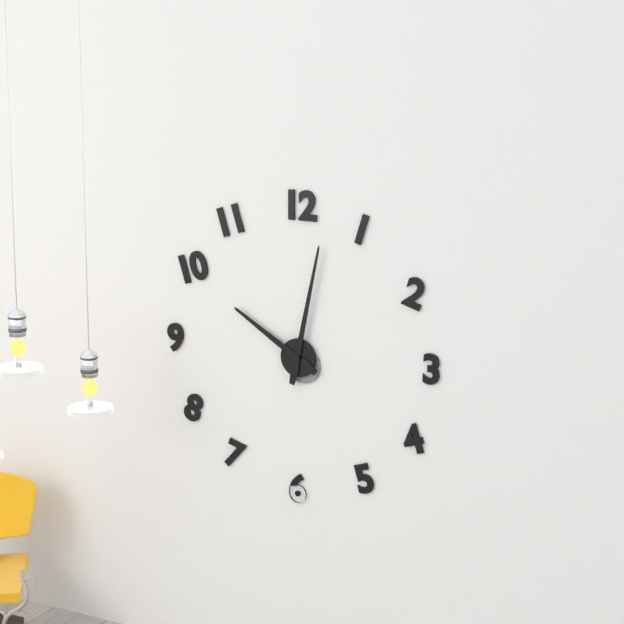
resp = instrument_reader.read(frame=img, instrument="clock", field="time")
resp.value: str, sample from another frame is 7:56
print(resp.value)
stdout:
10:02
